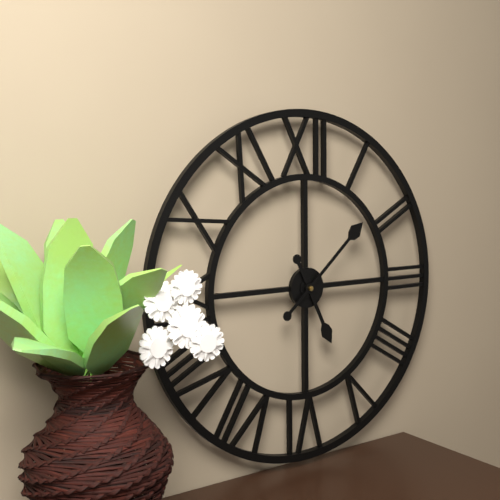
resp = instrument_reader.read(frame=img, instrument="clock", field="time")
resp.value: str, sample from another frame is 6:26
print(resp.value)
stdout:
5:08
